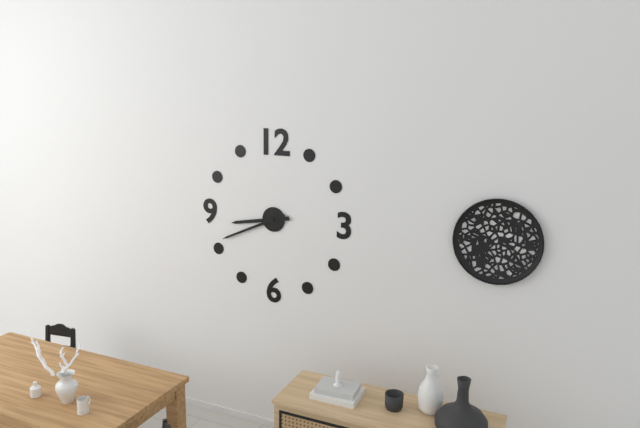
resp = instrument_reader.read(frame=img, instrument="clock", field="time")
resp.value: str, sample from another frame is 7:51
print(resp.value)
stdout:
8:41
